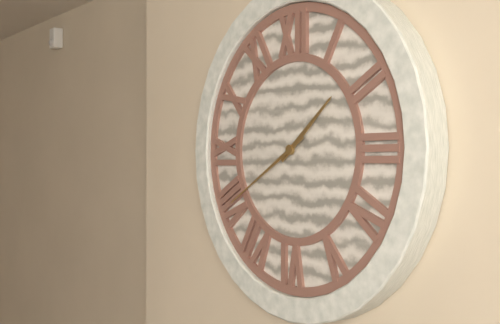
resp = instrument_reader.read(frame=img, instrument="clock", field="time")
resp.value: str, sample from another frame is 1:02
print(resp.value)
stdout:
1:40
